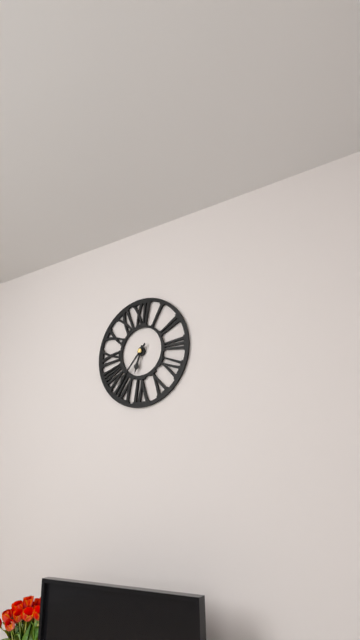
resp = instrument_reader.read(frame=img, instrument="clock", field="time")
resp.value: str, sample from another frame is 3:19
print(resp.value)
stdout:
6:37
